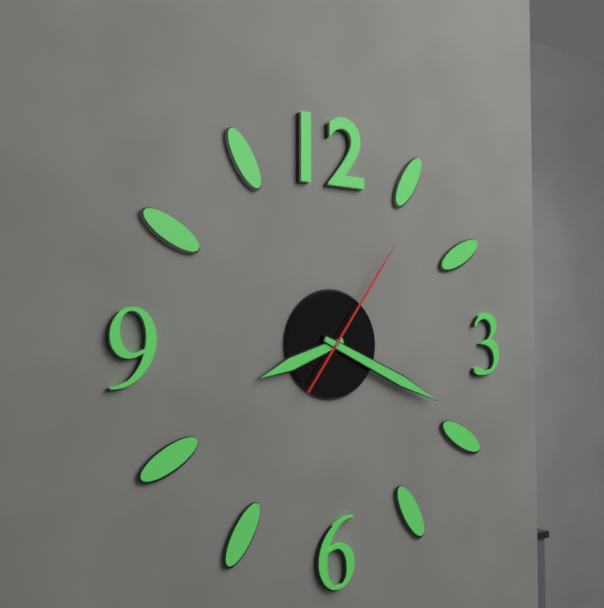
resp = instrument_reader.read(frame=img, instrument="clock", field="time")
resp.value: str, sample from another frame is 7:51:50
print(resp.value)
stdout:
8:19:06
